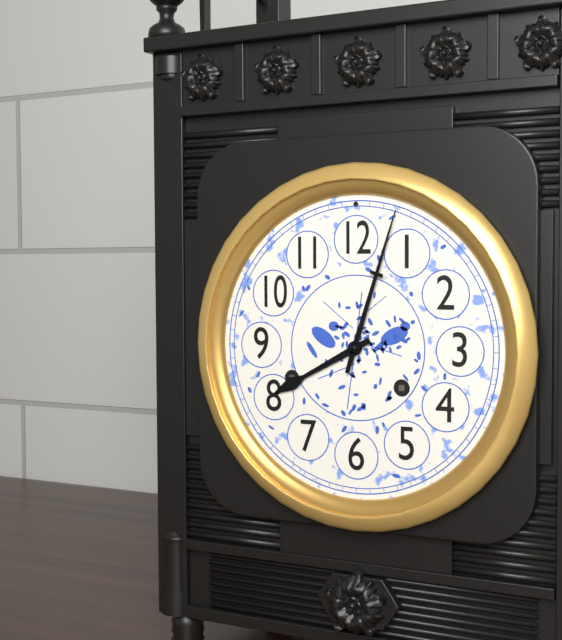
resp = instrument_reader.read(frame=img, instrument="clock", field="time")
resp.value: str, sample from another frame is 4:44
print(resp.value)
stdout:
8:03
